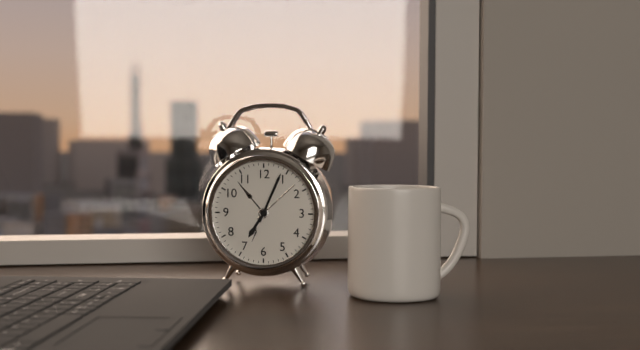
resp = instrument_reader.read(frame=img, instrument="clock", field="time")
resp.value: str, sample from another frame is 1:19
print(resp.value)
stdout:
7:04
